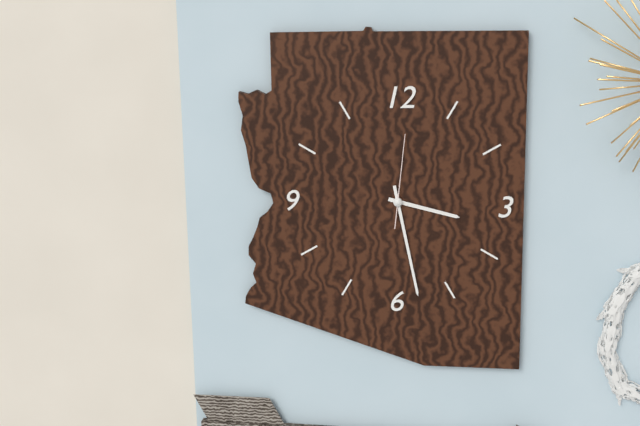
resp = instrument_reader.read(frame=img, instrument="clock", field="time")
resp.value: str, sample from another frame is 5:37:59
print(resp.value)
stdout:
3:28:01
